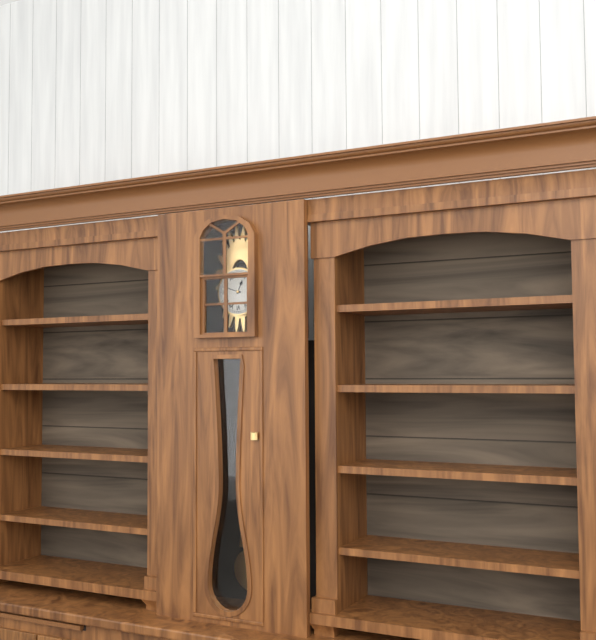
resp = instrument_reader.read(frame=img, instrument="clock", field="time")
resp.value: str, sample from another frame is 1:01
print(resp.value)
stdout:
12:48
